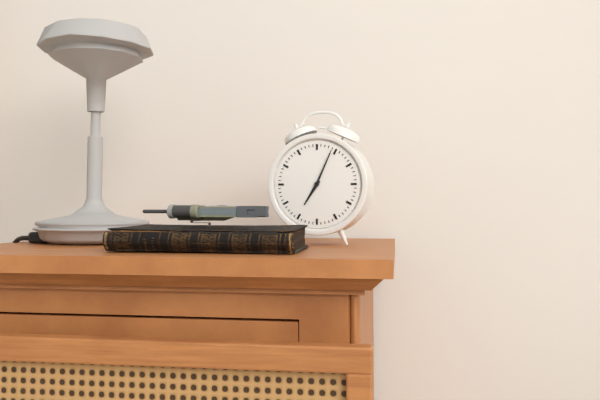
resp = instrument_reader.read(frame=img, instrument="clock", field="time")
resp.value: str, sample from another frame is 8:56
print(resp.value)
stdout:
7:04
